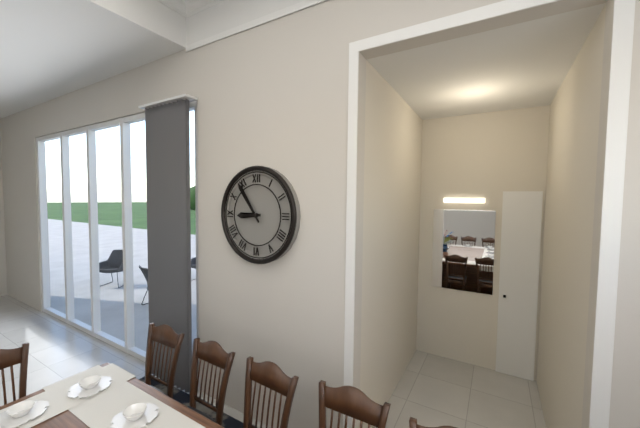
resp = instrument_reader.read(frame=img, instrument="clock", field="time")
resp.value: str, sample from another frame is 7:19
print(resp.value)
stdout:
8:54
